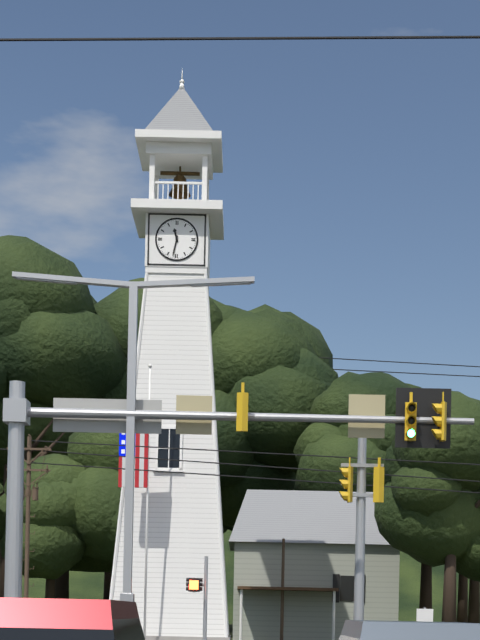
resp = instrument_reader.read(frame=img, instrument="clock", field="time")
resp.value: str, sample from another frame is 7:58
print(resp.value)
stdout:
11:32
